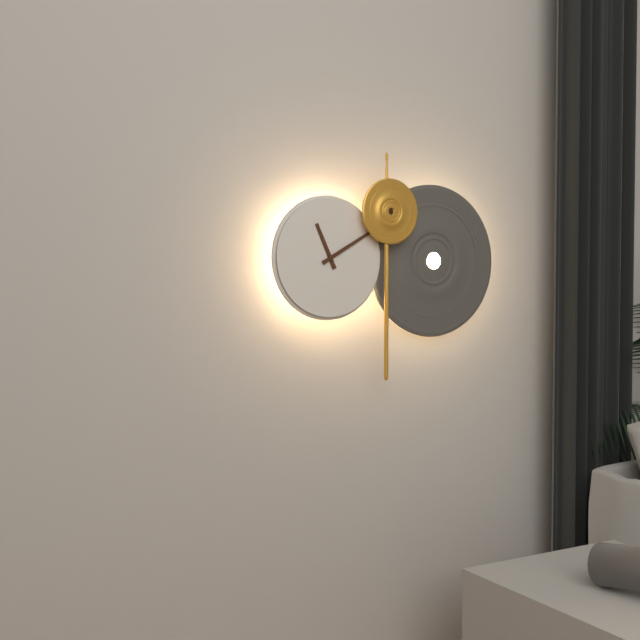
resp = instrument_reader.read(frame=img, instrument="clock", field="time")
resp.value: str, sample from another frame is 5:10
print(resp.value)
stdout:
11:10
